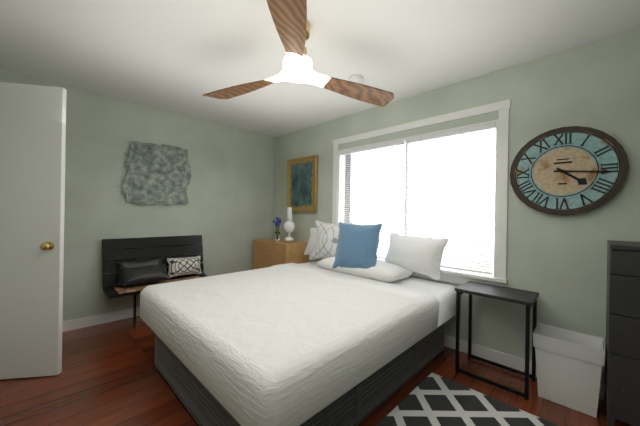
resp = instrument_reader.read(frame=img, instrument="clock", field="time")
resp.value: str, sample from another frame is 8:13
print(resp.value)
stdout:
4:16
